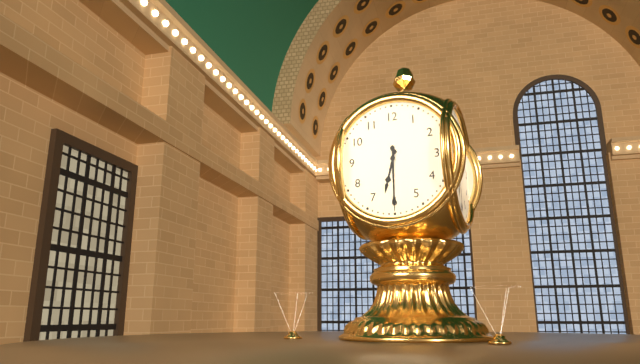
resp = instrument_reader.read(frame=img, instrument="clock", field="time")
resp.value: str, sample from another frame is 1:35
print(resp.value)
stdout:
6:30
